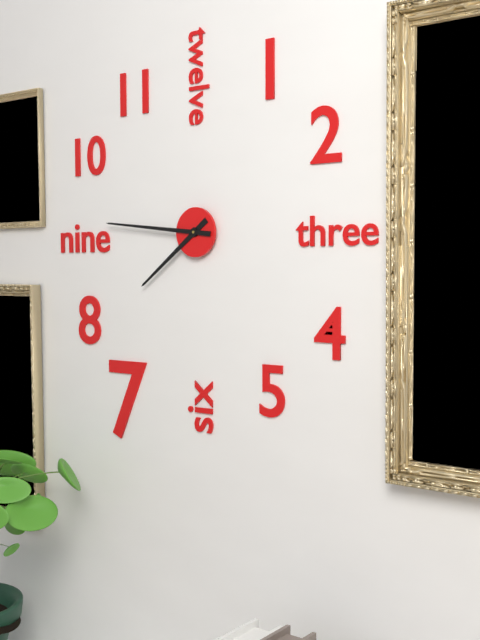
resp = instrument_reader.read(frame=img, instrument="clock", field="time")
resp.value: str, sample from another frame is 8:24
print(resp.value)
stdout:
7:46
